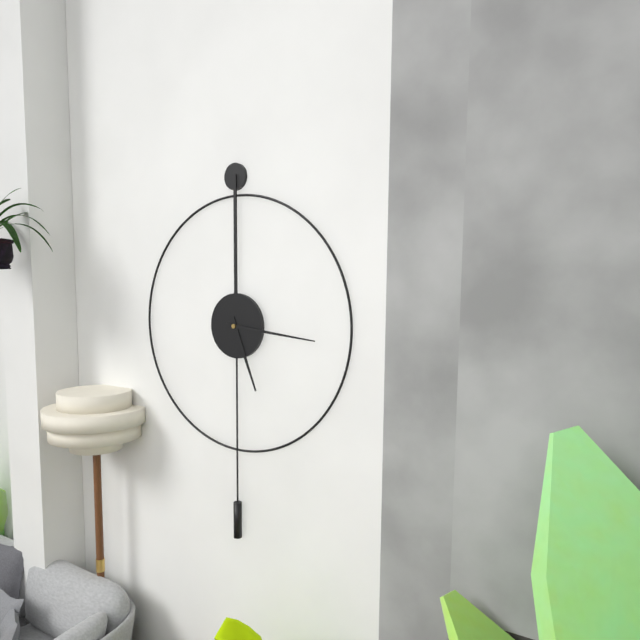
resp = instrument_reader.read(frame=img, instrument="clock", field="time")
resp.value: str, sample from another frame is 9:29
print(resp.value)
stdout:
5:16
